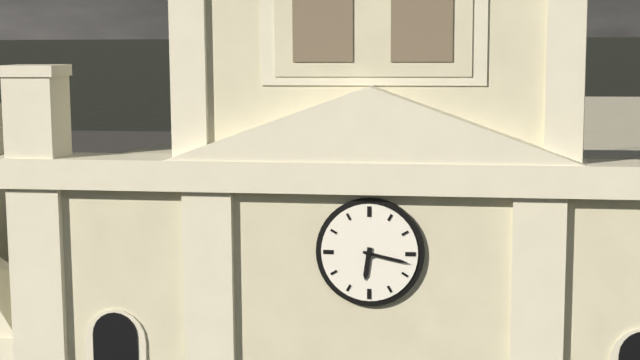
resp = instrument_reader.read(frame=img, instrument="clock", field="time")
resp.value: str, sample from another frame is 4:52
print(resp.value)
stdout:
6:17
